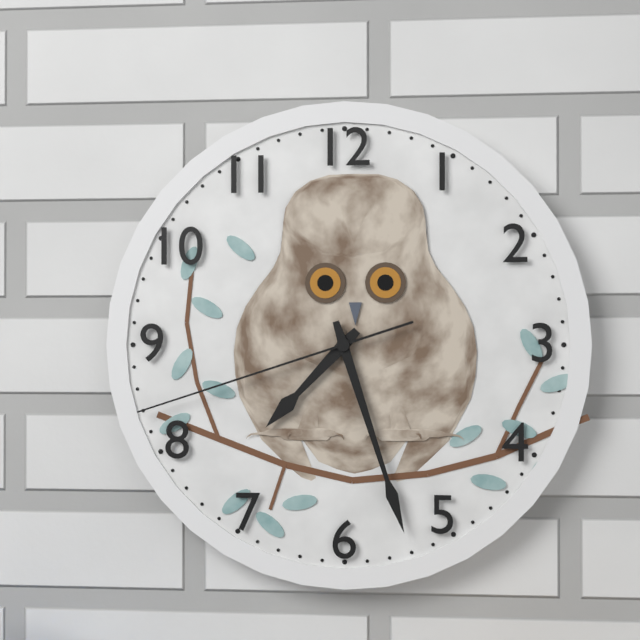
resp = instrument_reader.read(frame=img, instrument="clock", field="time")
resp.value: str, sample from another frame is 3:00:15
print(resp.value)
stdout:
7:27:42
